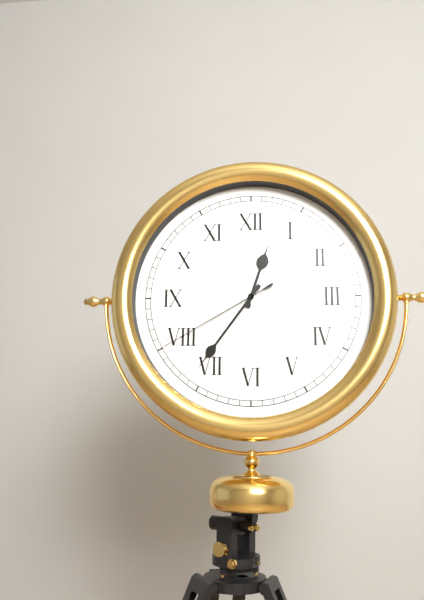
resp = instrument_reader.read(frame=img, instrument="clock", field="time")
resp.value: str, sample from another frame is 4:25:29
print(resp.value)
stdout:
12:36:40
